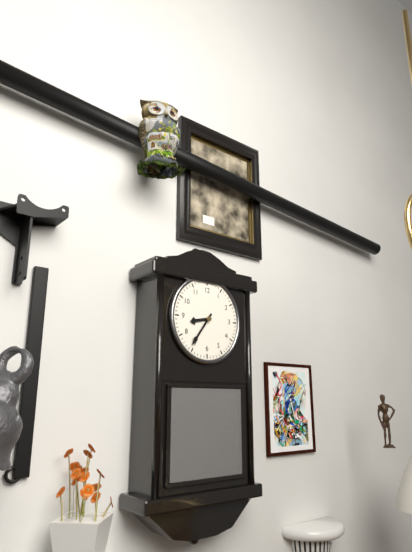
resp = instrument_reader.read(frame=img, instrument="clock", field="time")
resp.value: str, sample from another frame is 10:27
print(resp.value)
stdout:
8:36
